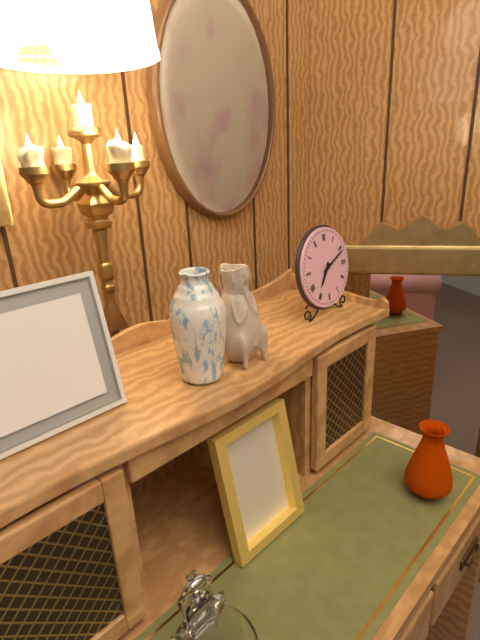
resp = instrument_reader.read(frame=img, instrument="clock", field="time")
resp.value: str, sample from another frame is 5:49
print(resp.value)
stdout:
7:11
